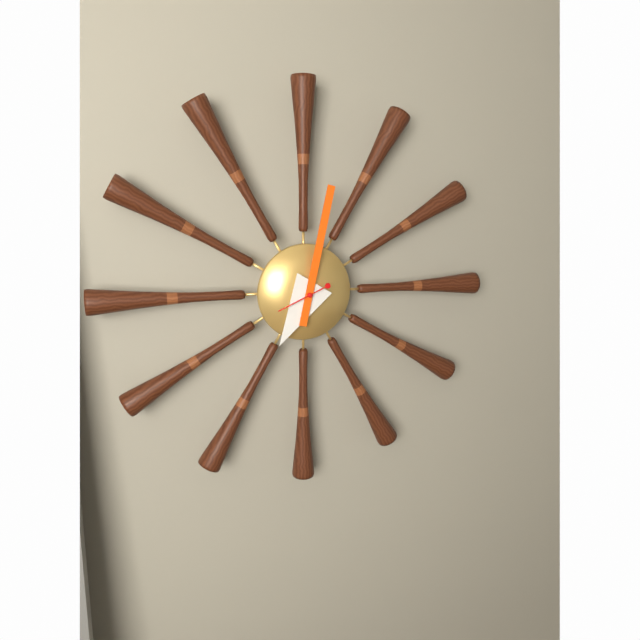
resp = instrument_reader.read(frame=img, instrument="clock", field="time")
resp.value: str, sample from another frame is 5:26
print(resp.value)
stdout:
7:02
